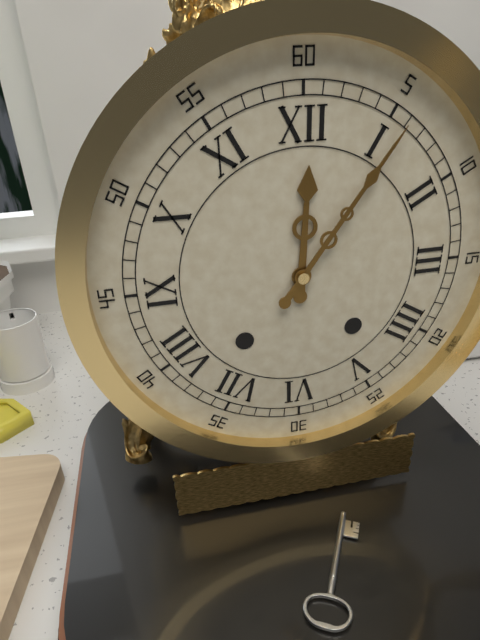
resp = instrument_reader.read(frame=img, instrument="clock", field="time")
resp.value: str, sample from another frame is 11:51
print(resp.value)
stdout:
12:06
